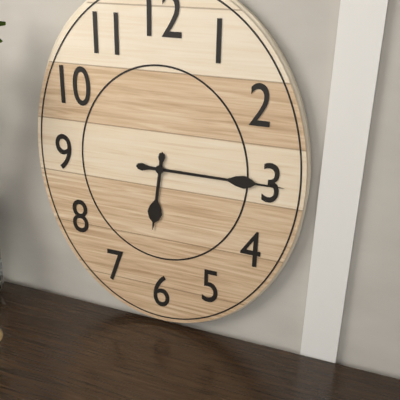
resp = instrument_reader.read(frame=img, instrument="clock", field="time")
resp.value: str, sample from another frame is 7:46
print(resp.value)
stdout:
6:15
